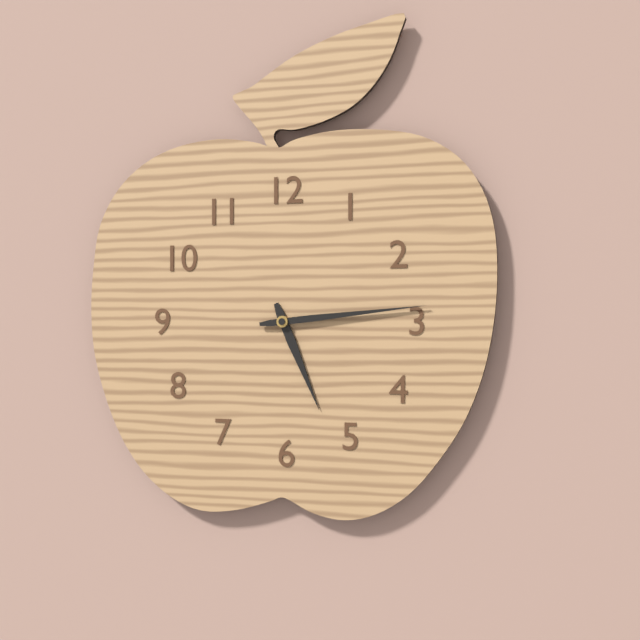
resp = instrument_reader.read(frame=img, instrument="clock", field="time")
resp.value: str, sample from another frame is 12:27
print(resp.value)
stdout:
5:14
